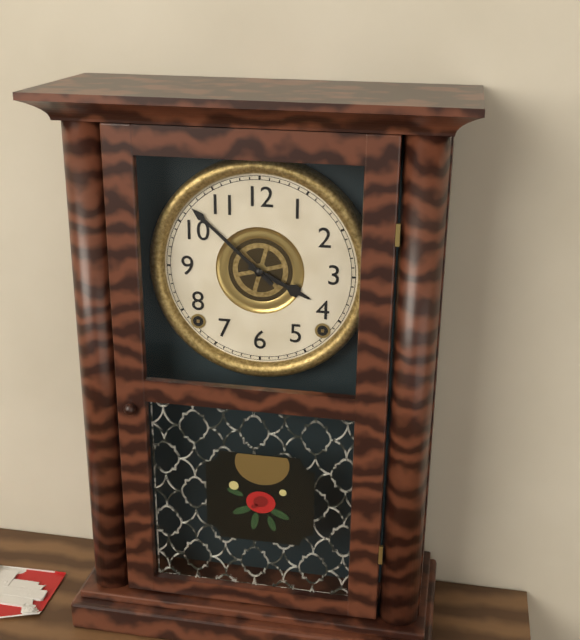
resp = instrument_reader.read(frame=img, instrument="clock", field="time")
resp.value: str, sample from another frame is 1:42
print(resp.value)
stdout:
3:52
